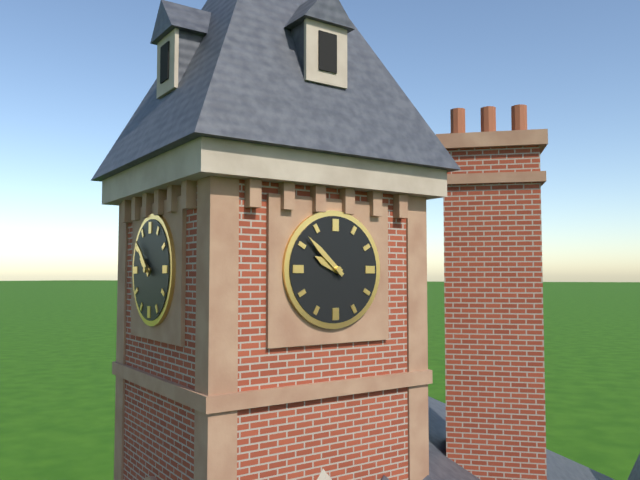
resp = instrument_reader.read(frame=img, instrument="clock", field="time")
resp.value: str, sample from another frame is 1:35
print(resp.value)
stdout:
9:52
